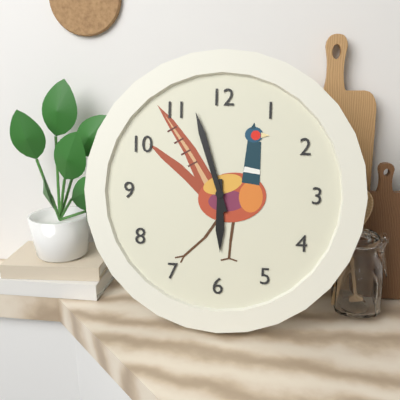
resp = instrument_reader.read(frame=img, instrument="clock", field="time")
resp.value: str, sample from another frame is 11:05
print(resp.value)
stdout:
5:57
